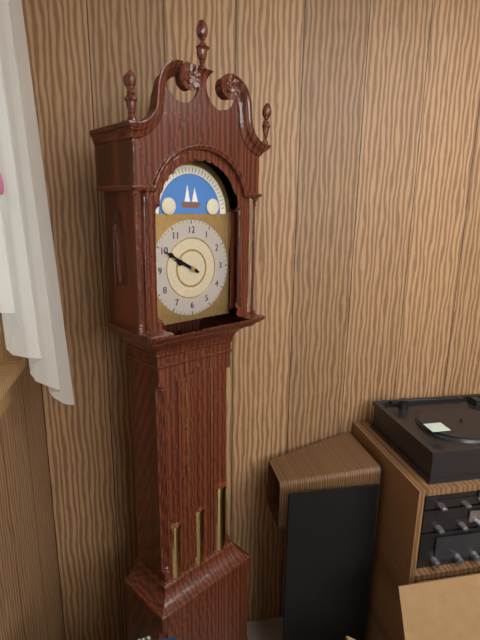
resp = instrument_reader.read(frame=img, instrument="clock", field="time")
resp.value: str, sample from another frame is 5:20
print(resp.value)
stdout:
9:50
